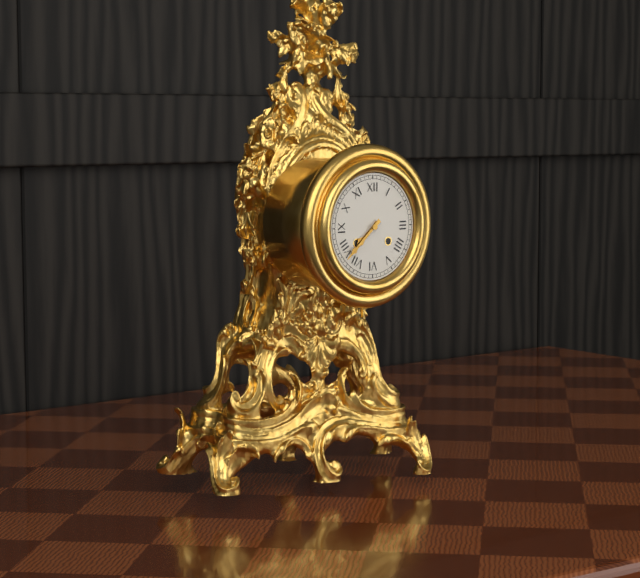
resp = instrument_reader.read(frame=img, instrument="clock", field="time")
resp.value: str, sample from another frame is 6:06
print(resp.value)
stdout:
7:38
